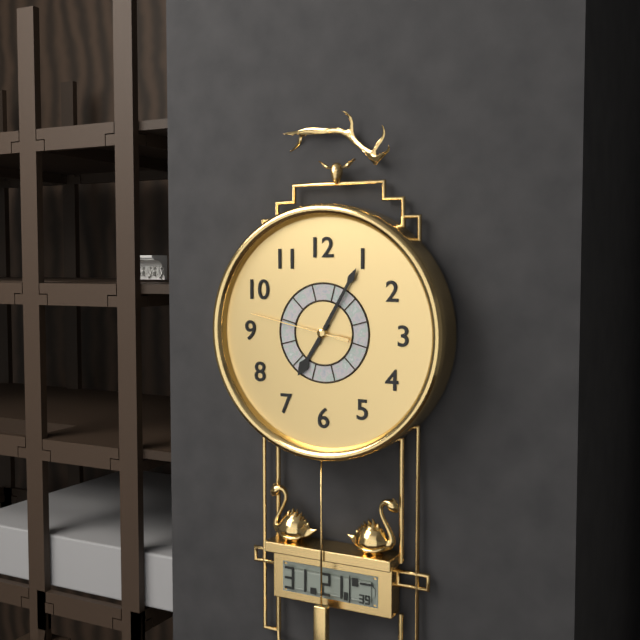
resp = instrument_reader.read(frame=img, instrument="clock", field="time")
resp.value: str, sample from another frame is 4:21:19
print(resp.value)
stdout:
7:05:47
